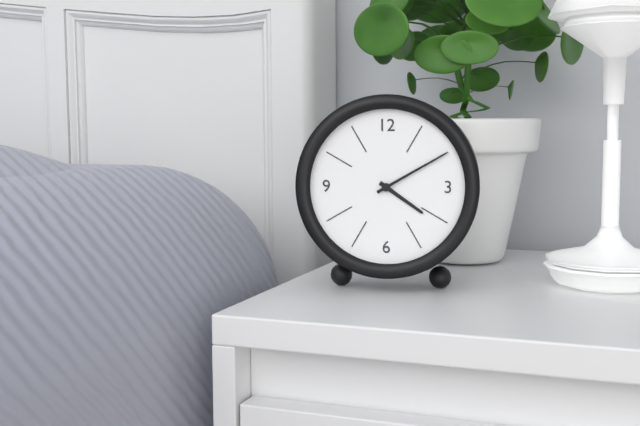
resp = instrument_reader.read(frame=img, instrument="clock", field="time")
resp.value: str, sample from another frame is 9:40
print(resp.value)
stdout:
4:10
